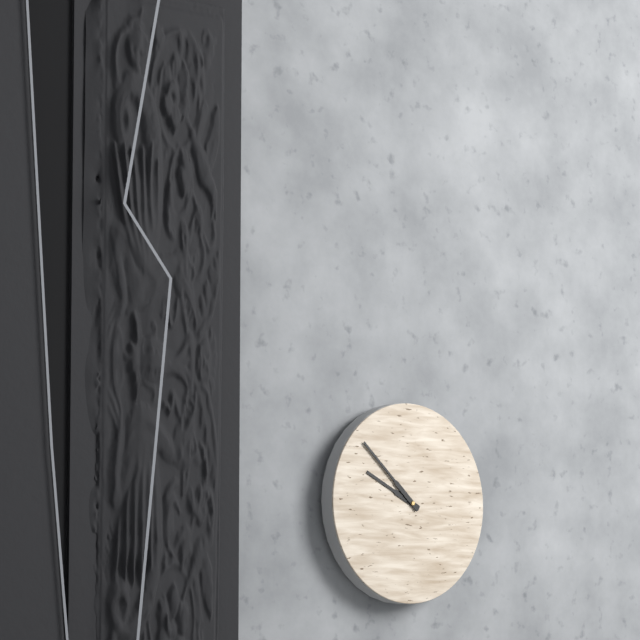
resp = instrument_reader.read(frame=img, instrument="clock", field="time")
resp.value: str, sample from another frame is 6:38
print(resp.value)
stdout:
9:52
